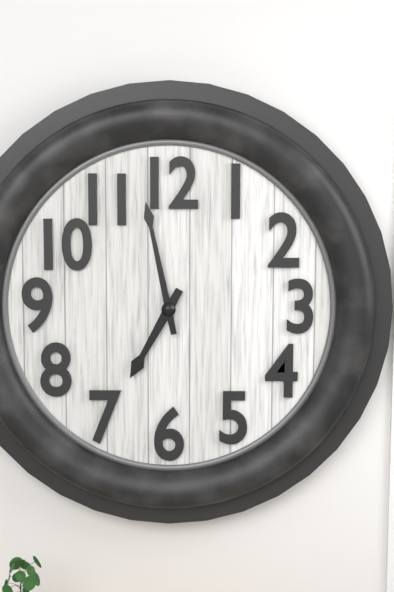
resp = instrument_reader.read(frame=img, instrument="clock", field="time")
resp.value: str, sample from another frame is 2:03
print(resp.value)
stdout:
6:58
